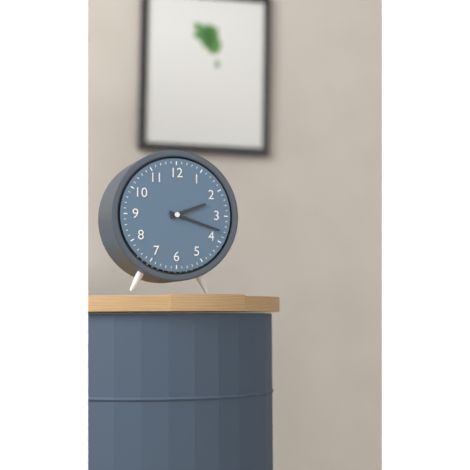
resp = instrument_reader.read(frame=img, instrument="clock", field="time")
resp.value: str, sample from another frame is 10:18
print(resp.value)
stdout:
2:18
